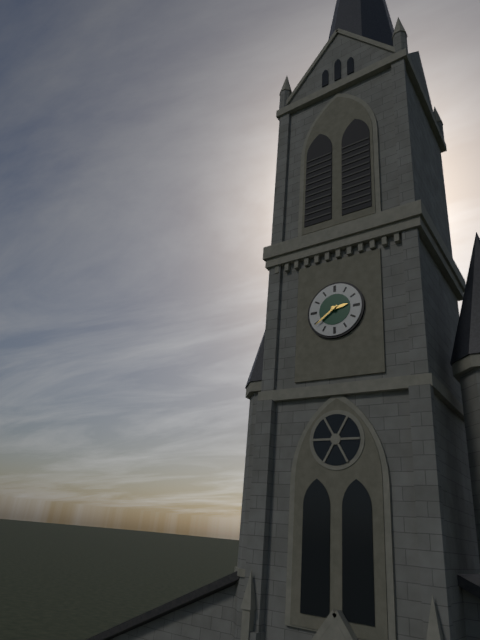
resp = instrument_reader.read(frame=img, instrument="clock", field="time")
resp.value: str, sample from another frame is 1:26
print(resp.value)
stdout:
2:39
